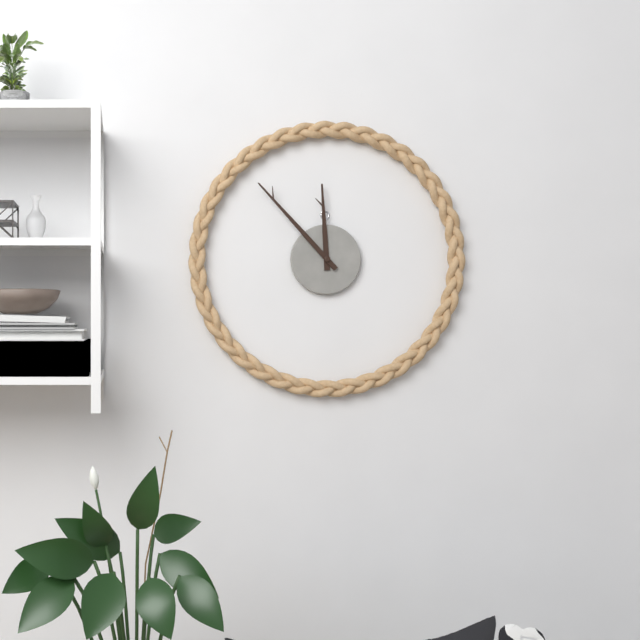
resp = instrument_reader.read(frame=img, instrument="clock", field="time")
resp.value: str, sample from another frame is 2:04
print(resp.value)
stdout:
11:53
